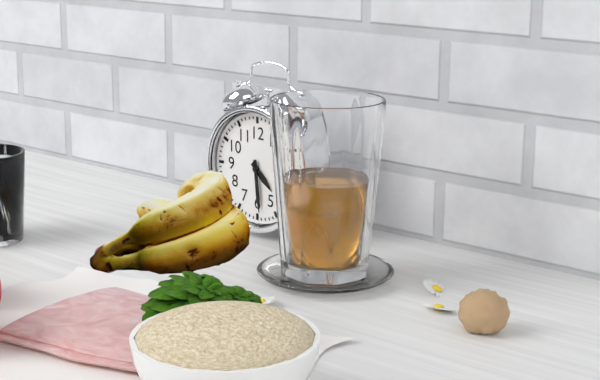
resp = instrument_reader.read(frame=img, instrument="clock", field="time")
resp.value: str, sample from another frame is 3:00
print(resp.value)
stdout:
4:29
